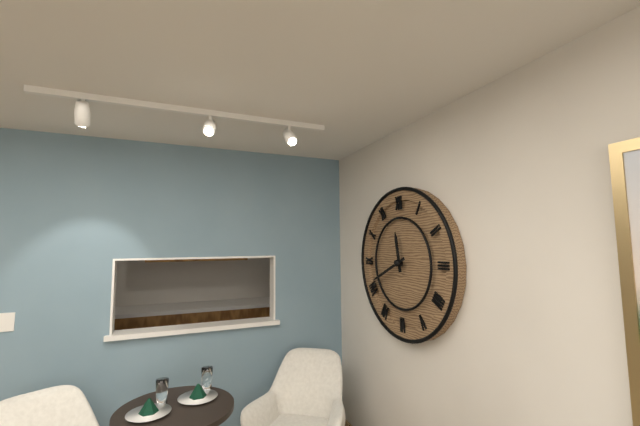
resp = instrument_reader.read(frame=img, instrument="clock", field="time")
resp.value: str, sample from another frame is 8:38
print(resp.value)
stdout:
11:41
